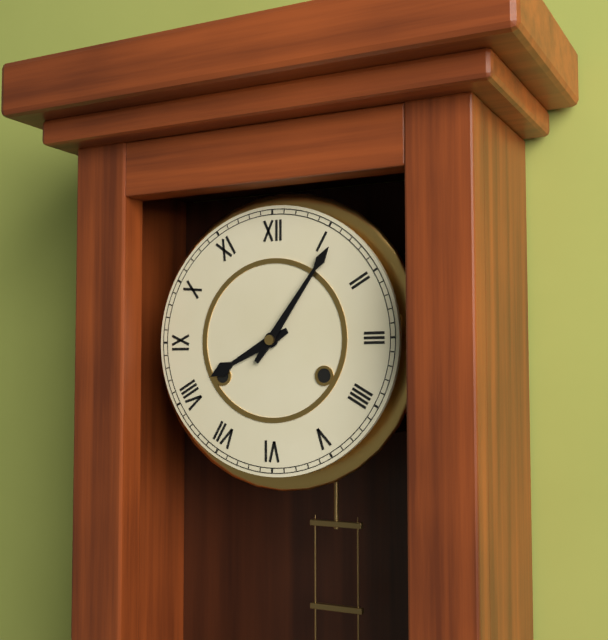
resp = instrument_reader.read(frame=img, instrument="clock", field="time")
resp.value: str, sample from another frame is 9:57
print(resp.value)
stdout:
8:06
